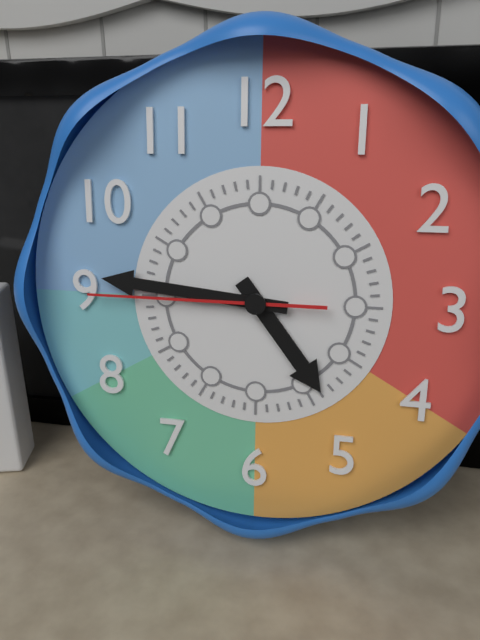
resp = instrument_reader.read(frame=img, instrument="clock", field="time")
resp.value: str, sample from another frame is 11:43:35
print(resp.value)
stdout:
4:46:45
